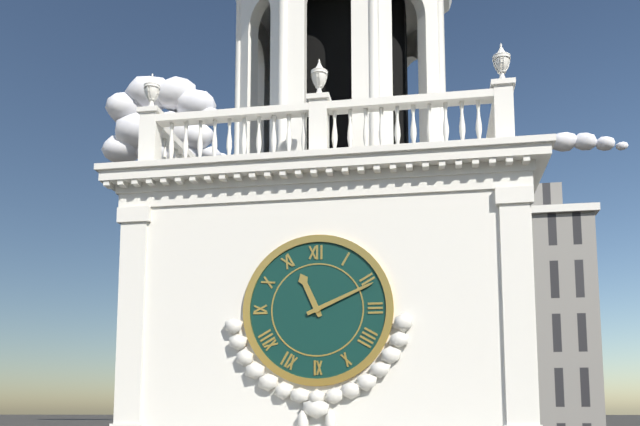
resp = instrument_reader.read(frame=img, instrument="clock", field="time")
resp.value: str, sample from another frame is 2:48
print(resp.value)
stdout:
11:11
